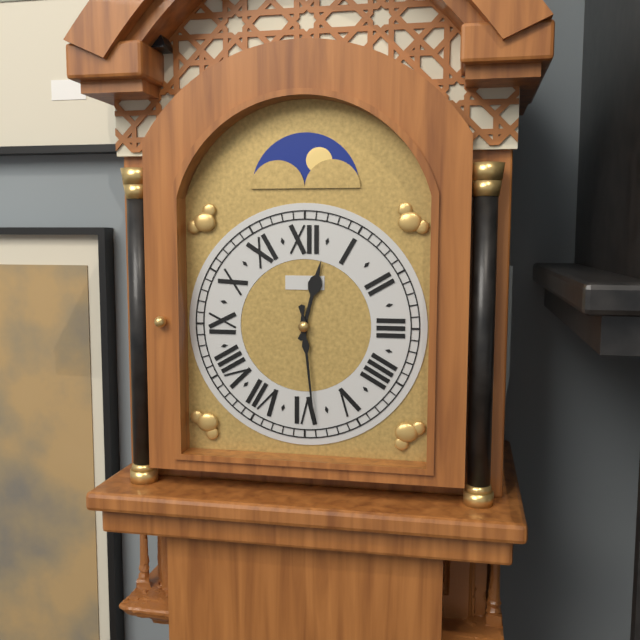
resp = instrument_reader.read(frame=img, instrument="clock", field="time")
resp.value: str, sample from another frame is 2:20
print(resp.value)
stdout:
12:29
